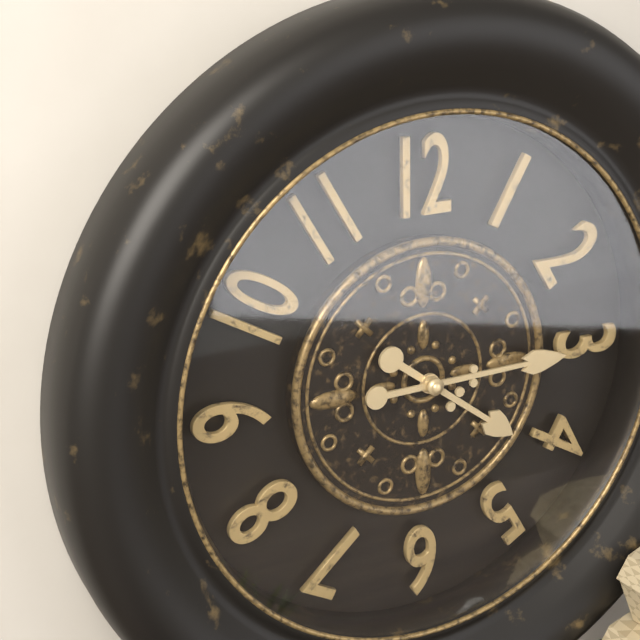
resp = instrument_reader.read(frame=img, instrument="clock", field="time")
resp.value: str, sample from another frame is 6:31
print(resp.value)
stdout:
4:15
